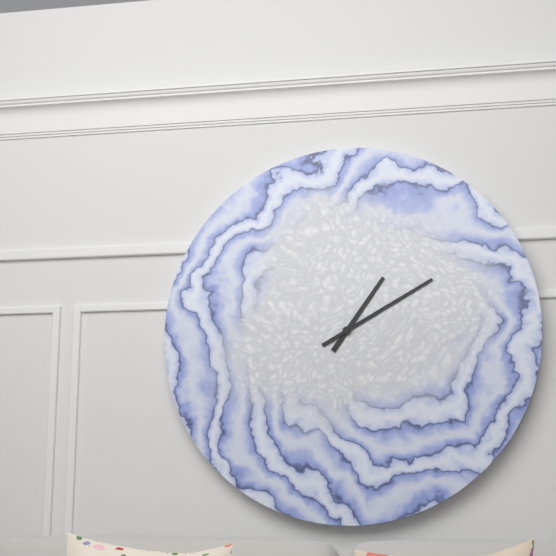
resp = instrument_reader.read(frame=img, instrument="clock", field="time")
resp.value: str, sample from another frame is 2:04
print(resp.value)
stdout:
1:10
